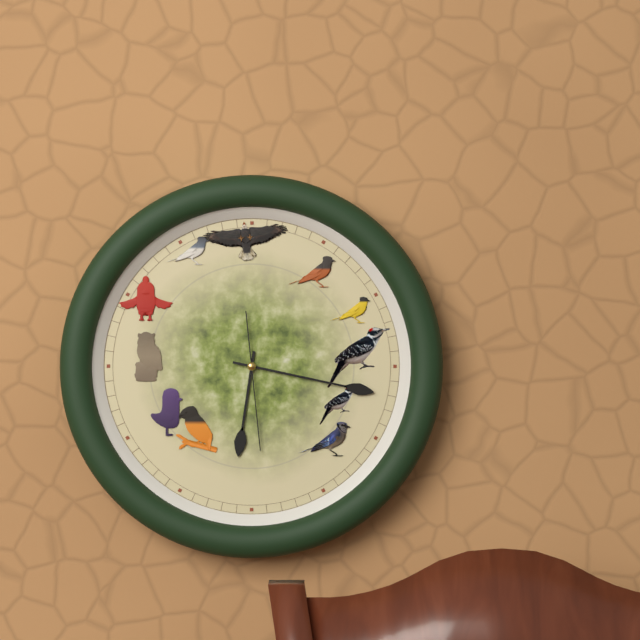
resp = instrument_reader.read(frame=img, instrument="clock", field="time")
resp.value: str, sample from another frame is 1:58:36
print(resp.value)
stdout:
6:17:29
